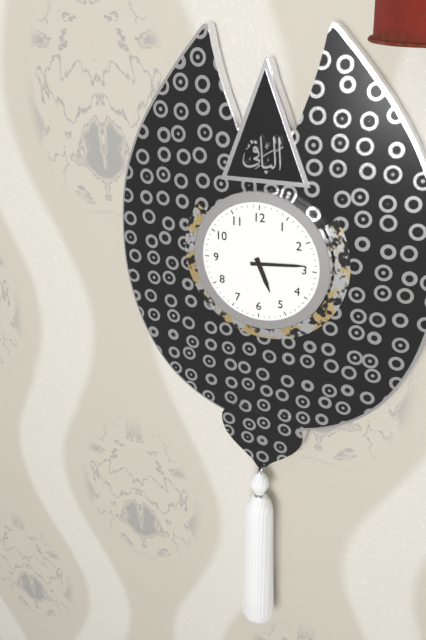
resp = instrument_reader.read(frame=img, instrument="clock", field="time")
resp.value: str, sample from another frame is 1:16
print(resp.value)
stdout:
5:14
